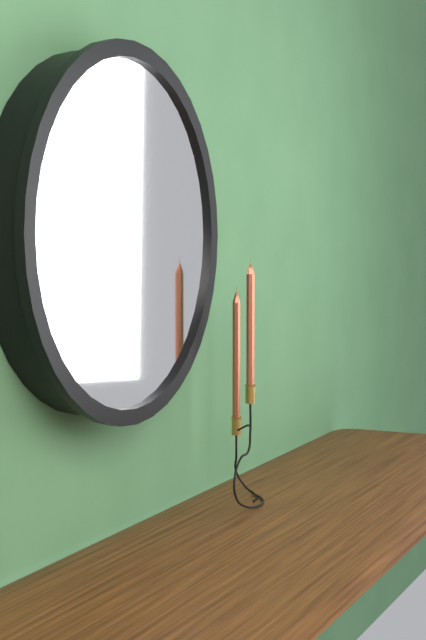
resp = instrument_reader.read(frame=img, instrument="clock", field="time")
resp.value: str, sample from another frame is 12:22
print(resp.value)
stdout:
2:35
